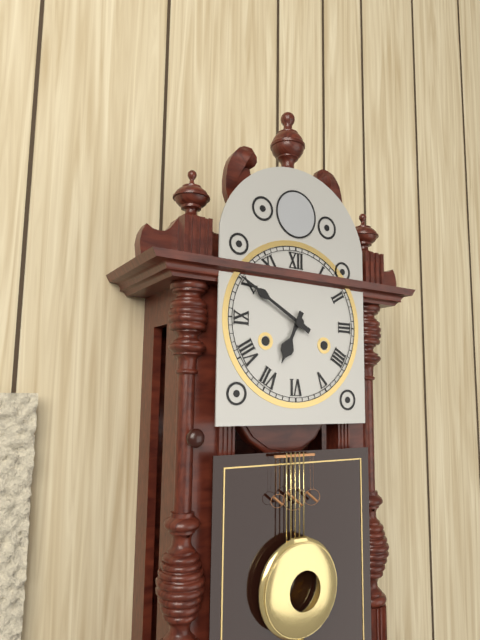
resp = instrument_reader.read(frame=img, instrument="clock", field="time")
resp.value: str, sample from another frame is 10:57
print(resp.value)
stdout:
6:50
